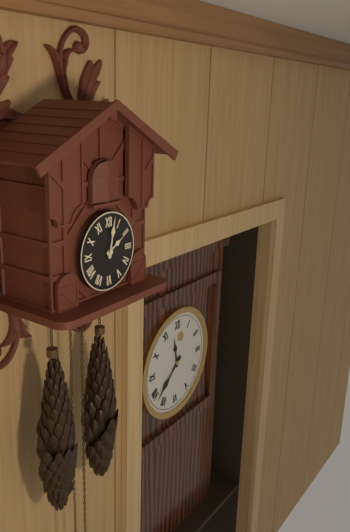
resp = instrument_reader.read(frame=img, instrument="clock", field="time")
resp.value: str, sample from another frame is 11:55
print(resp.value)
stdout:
2:02
